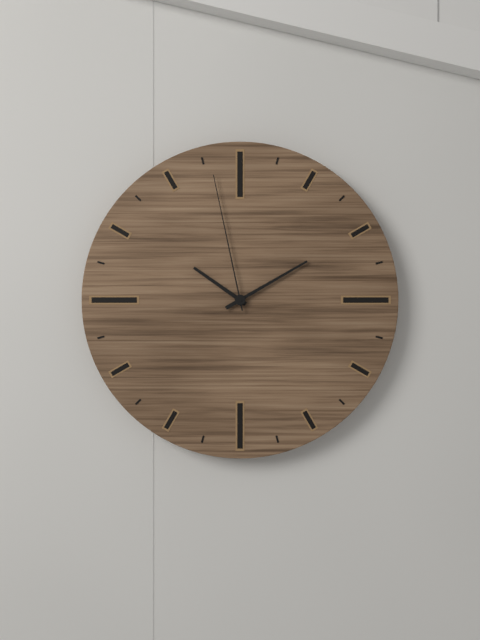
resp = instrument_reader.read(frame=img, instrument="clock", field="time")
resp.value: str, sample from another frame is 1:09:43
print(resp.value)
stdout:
10:10:58
